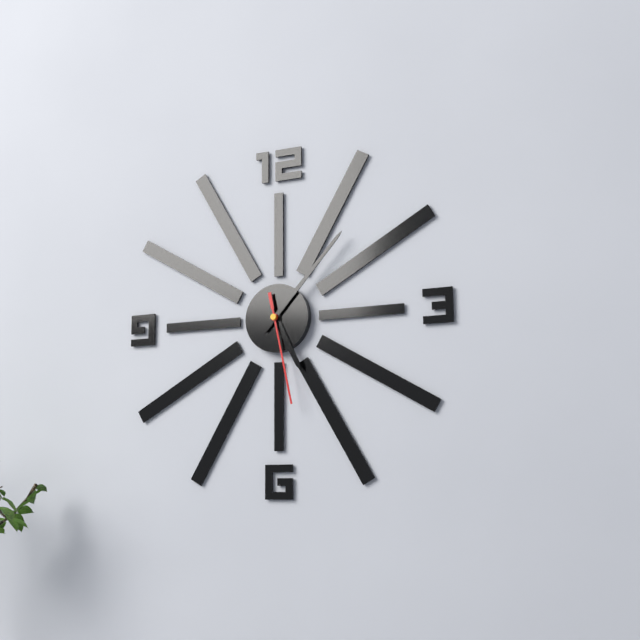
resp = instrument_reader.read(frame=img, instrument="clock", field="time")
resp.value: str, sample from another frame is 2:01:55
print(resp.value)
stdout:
5:07:28
